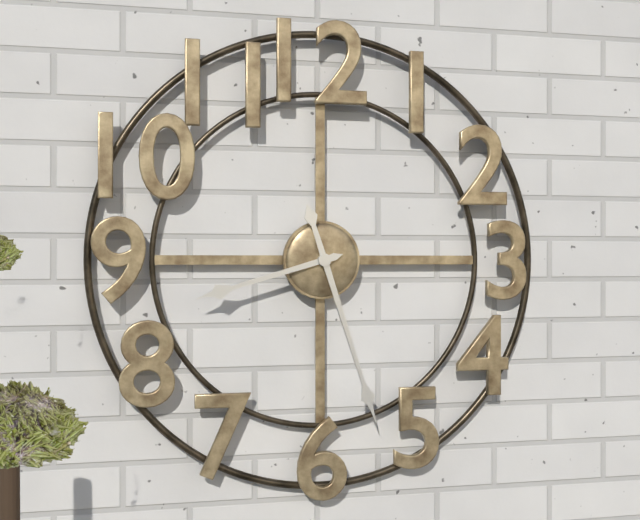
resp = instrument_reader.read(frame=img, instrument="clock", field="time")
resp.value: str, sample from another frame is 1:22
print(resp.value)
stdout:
8:27
